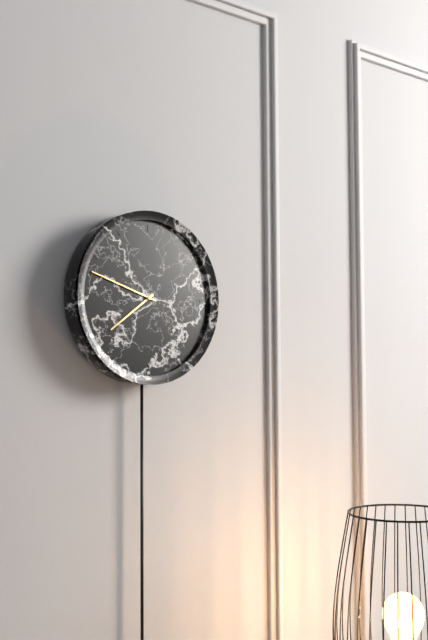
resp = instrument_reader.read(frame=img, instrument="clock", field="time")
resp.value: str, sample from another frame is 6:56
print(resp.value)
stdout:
7:48
